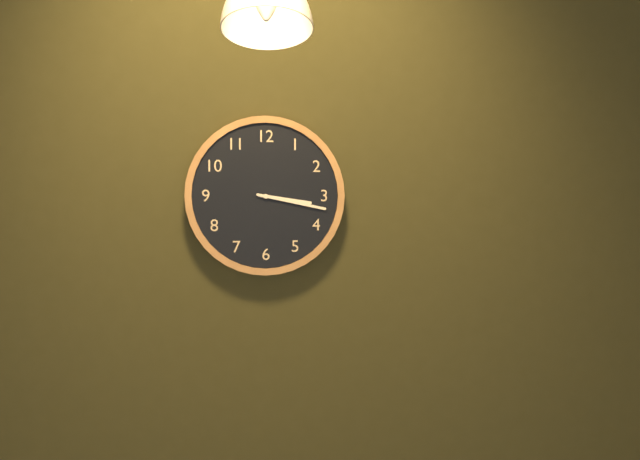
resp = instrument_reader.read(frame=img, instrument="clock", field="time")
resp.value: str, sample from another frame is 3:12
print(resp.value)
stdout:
3:17
